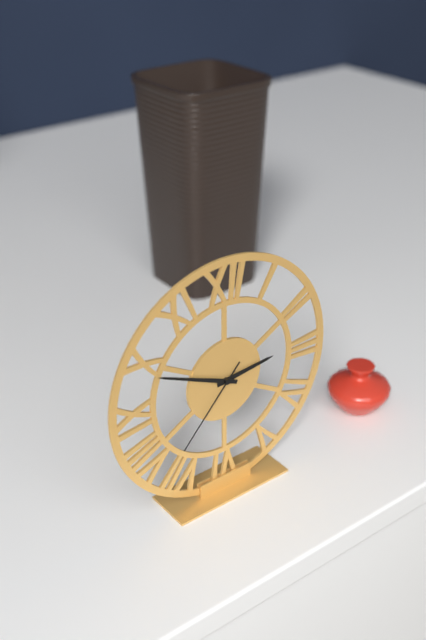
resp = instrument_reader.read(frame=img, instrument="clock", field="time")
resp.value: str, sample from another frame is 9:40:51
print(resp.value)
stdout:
2:49:37
